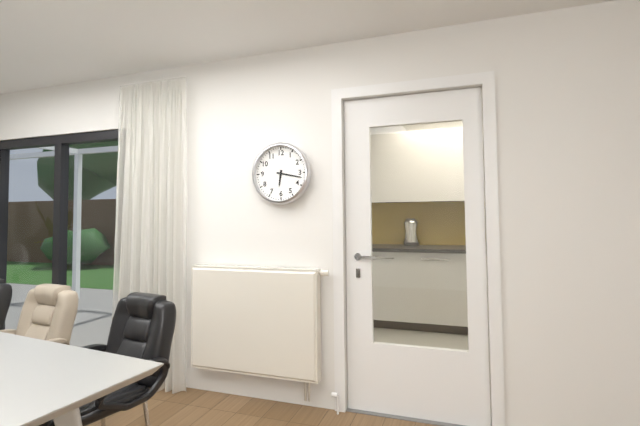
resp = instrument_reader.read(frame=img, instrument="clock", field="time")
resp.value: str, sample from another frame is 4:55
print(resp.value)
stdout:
6:17
